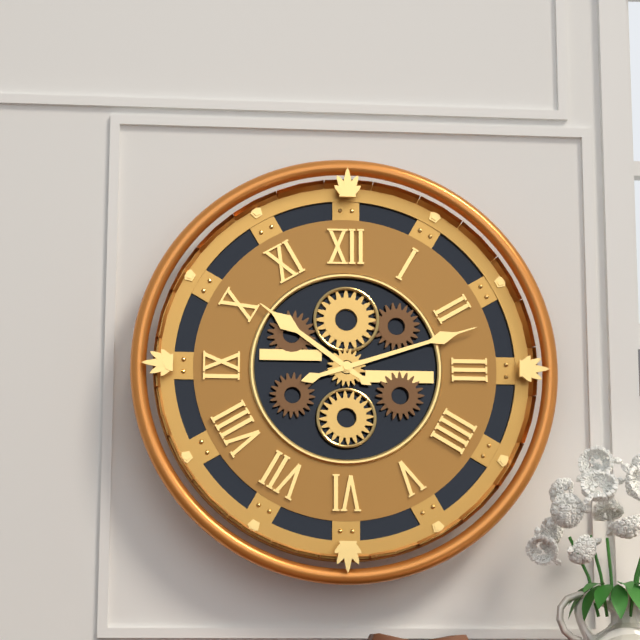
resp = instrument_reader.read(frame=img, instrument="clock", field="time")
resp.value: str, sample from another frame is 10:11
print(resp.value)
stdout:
10:12
